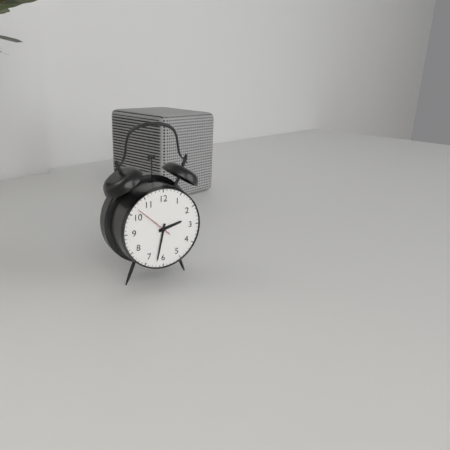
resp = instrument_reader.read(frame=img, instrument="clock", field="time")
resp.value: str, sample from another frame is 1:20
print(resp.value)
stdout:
2:32
